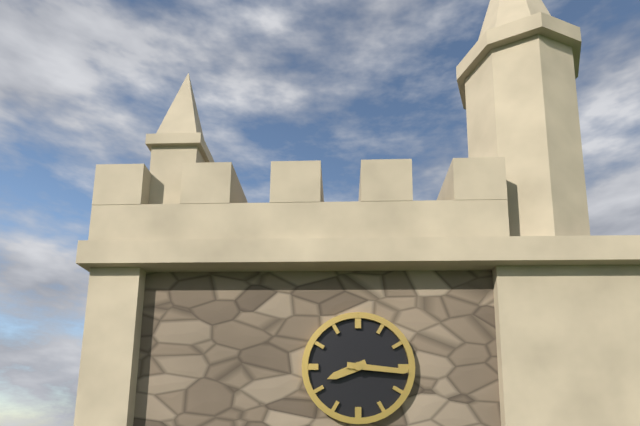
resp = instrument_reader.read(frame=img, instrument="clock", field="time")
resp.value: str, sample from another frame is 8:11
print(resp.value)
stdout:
8:16
